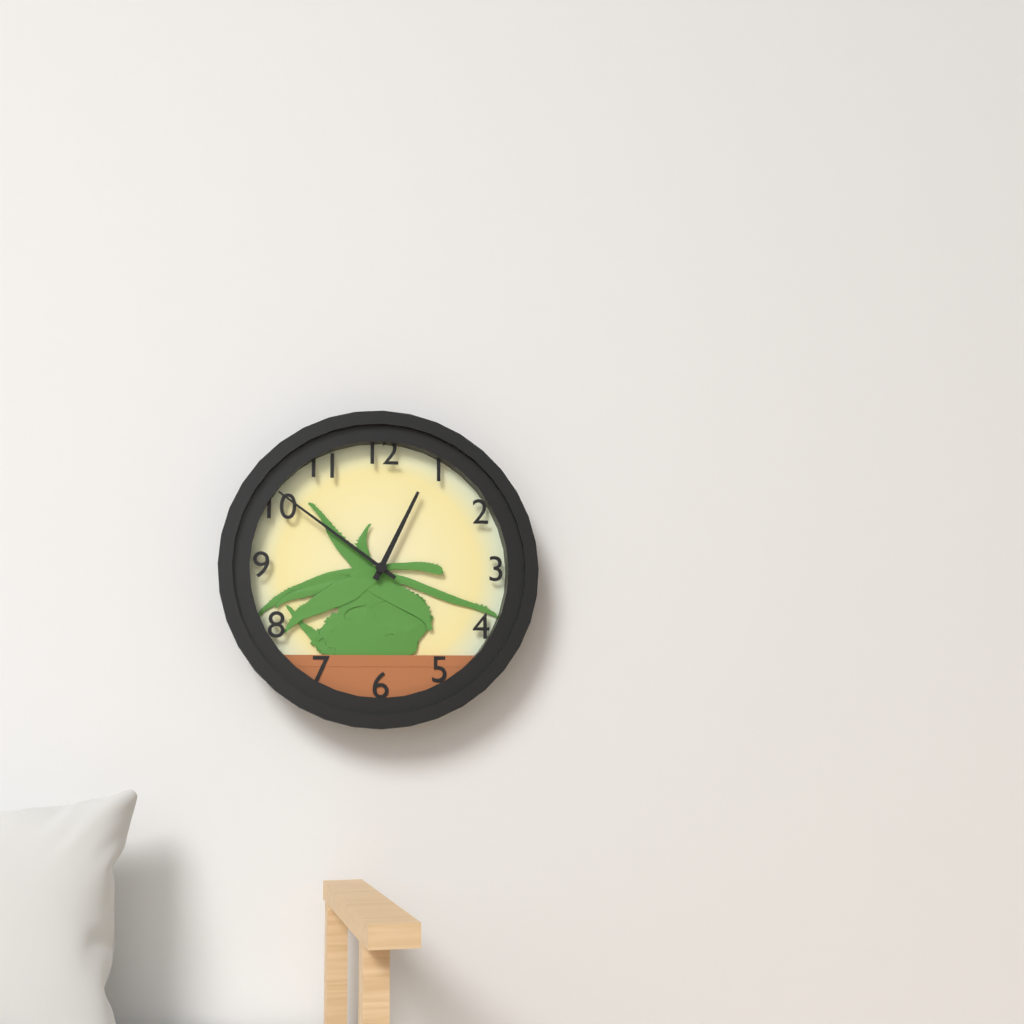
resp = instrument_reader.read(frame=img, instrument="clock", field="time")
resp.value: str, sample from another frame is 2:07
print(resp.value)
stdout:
12:51
